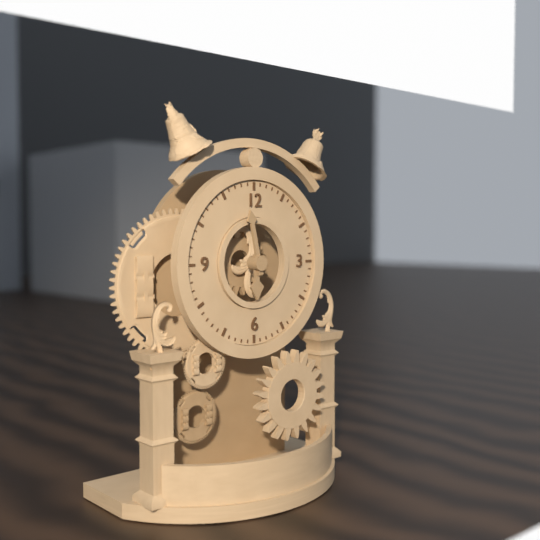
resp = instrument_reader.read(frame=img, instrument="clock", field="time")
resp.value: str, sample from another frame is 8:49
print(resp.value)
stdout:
5:58
